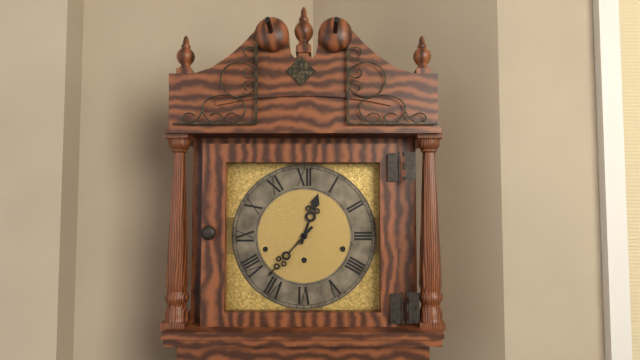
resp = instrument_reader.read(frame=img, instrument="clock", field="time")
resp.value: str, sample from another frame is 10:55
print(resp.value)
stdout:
12:37
